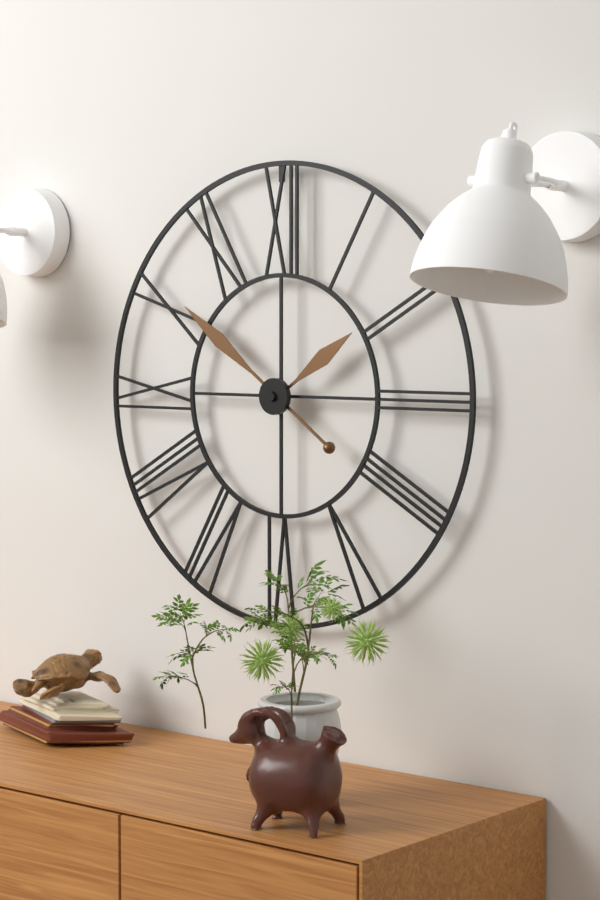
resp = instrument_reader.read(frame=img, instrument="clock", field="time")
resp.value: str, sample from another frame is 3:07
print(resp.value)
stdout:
1:51
